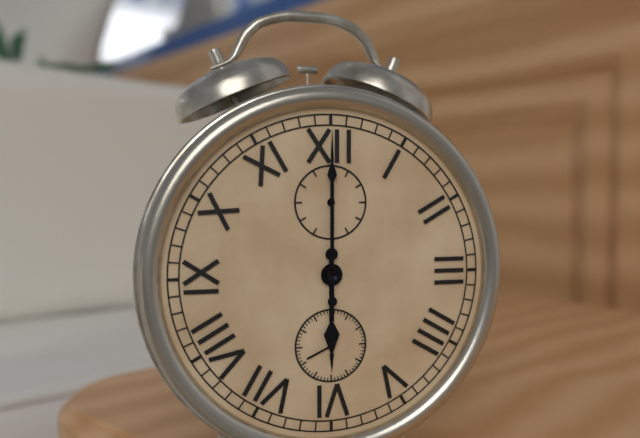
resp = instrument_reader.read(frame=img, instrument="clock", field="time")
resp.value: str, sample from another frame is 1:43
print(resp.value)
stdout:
6:00
